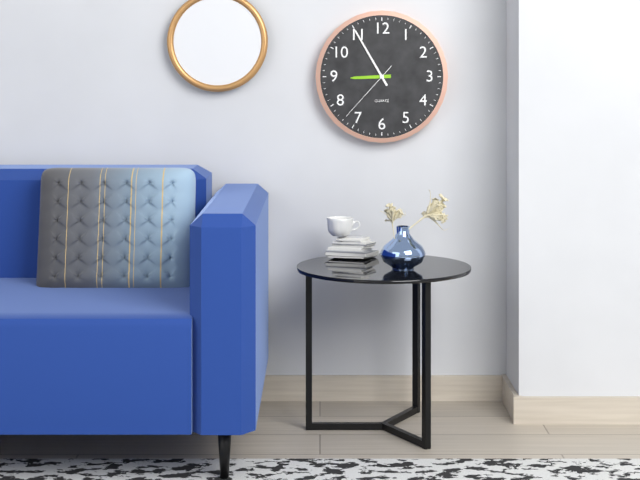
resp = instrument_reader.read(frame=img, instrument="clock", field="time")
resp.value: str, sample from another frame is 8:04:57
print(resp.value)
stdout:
8:55:37
